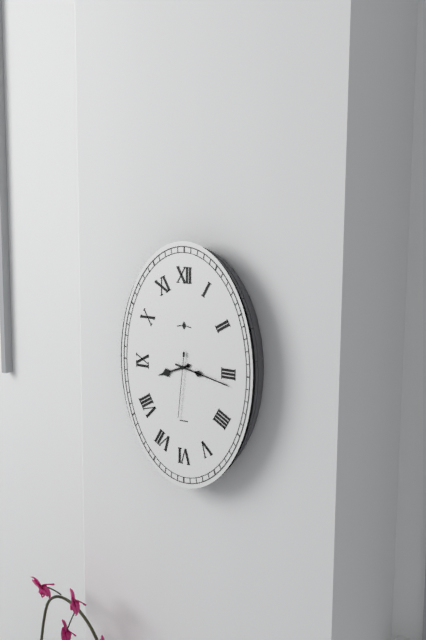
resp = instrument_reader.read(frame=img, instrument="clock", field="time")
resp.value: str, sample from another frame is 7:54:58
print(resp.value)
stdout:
8:17:31
